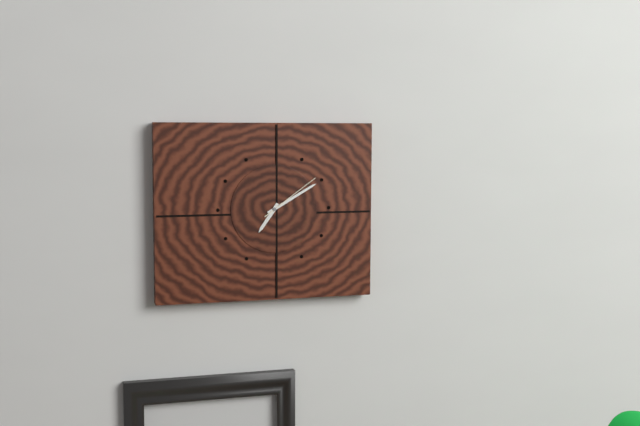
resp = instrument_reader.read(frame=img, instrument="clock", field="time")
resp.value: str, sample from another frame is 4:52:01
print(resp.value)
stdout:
7:10:09
